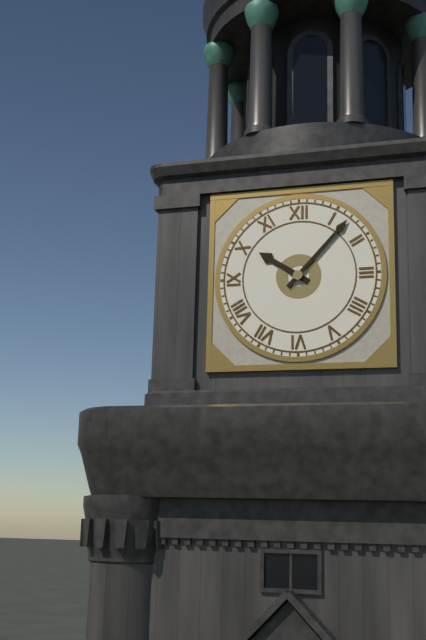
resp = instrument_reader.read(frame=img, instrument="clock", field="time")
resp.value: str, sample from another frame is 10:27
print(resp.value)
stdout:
10:07
